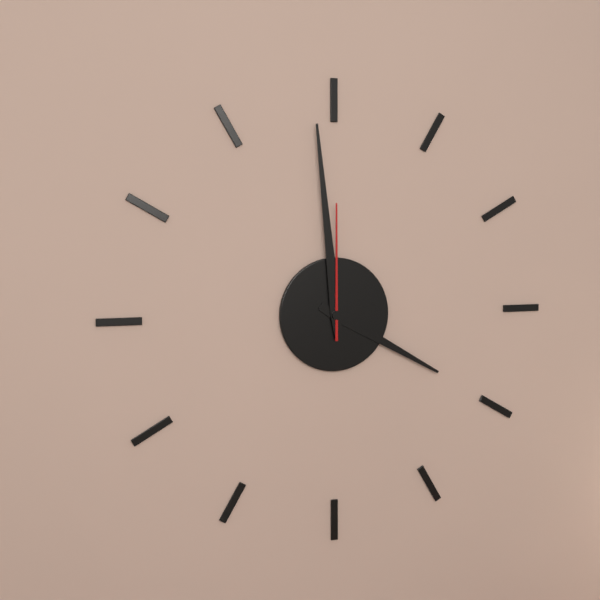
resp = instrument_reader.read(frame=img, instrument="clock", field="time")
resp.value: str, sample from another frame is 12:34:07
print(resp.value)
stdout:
3:59:00
